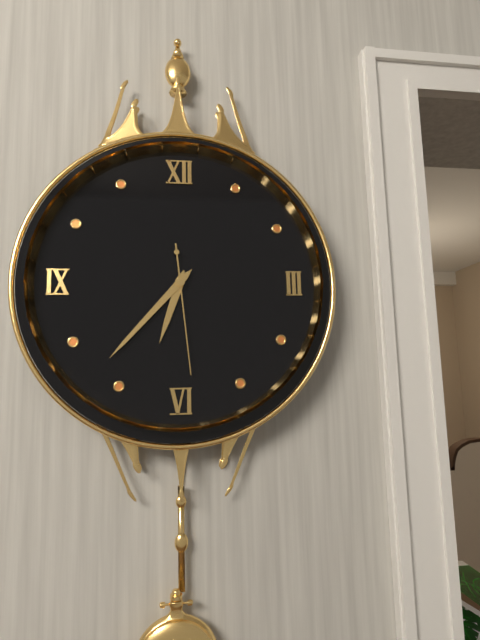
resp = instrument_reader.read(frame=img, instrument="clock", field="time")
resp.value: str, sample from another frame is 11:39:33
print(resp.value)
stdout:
6:37:29
